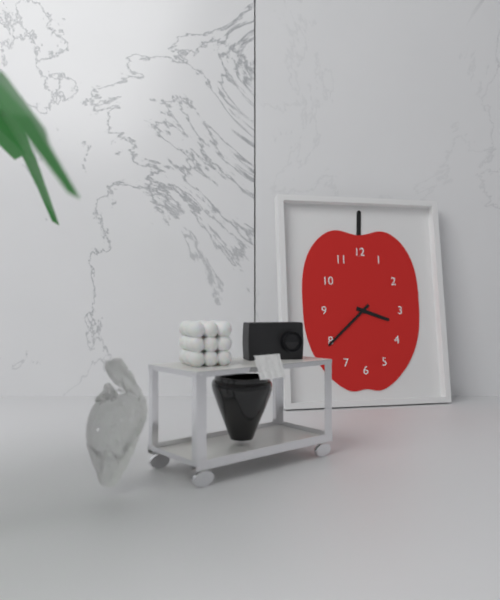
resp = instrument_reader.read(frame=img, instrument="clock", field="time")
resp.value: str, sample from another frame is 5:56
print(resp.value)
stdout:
3:38
